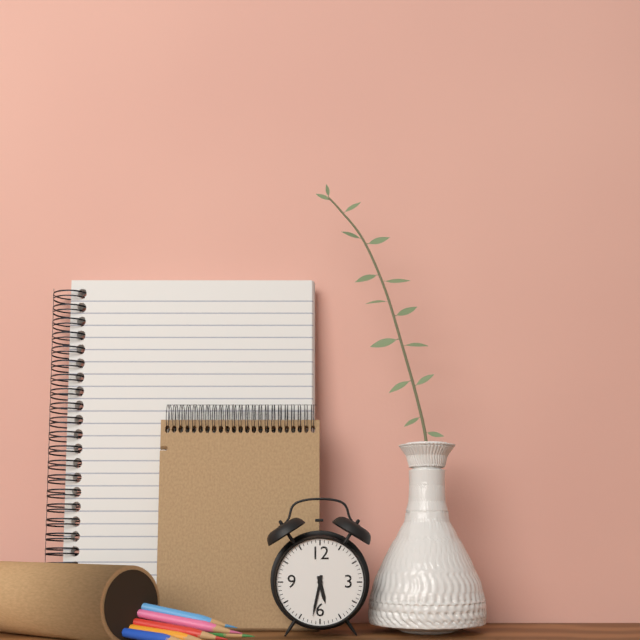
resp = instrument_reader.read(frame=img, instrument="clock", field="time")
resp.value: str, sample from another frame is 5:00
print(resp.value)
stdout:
5:32
